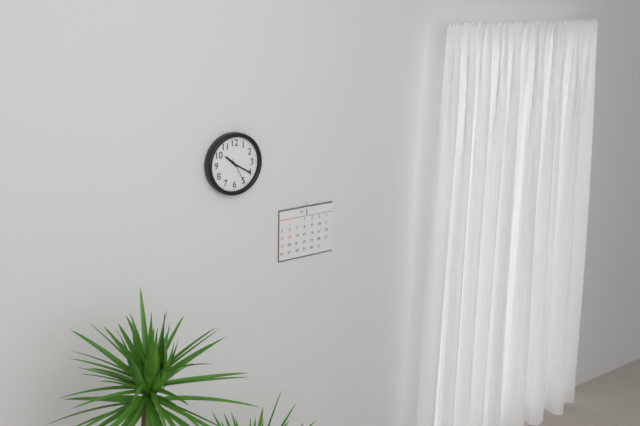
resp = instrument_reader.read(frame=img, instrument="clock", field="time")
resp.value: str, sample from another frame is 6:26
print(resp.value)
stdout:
10:20
